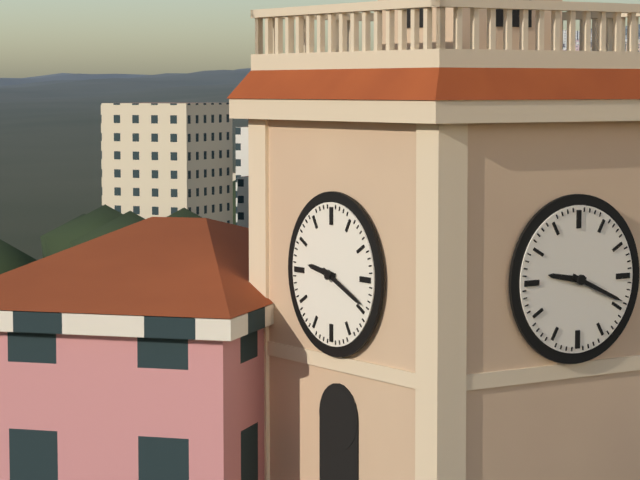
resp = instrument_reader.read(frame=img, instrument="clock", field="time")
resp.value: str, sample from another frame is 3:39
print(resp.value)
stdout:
9:19
